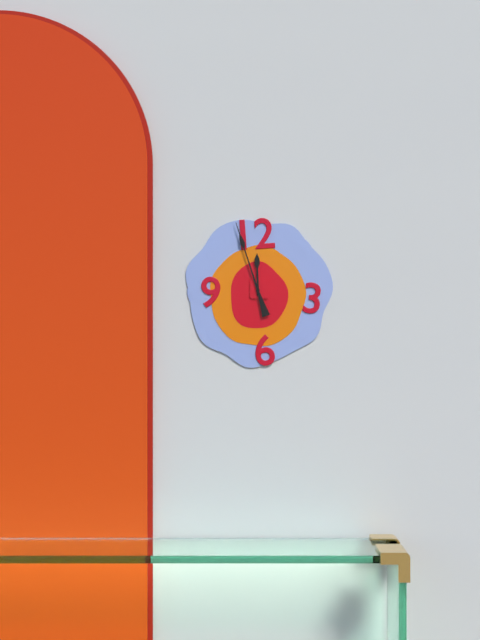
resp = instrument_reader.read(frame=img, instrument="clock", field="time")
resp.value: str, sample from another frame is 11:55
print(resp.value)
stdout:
11:57
